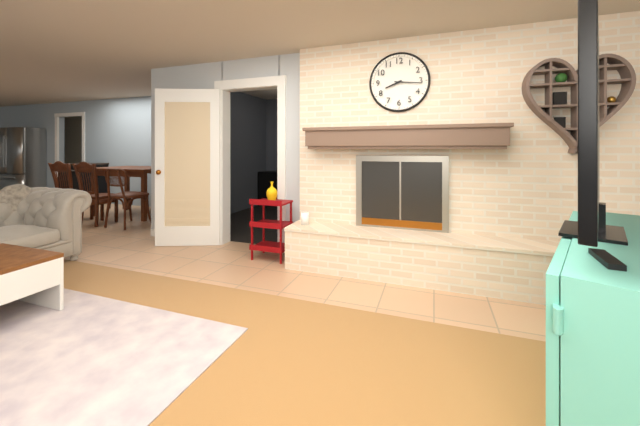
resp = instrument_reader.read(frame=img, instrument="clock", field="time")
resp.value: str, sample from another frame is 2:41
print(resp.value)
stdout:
8:16
